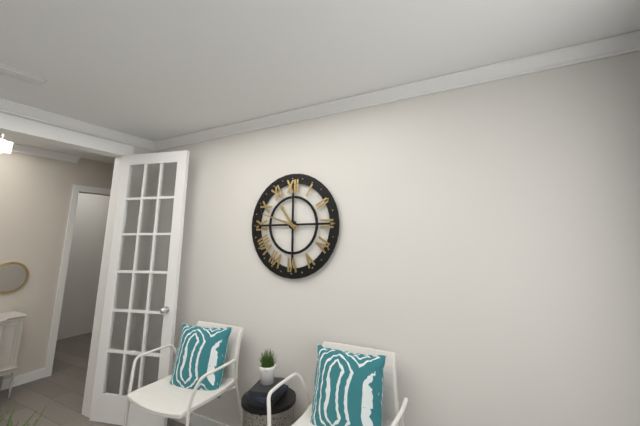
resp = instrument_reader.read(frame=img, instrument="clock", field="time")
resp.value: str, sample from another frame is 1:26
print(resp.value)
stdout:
10:48
